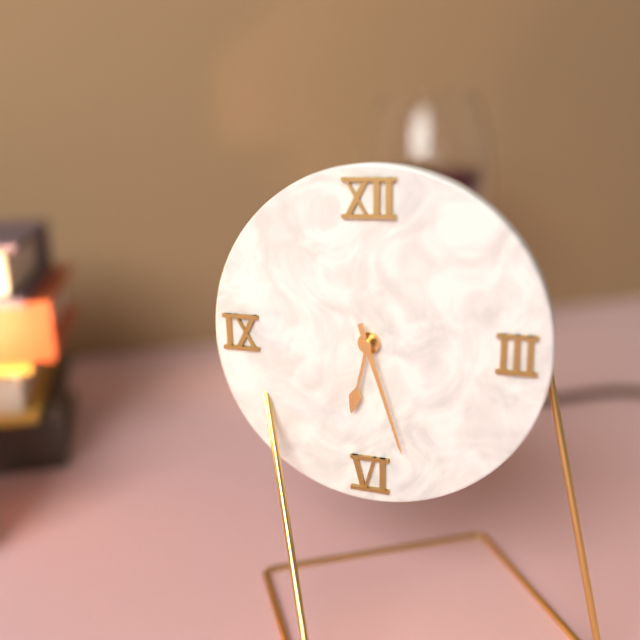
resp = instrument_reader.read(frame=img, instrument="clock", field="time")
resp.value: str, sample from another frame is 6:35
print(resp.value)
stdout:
6:27
